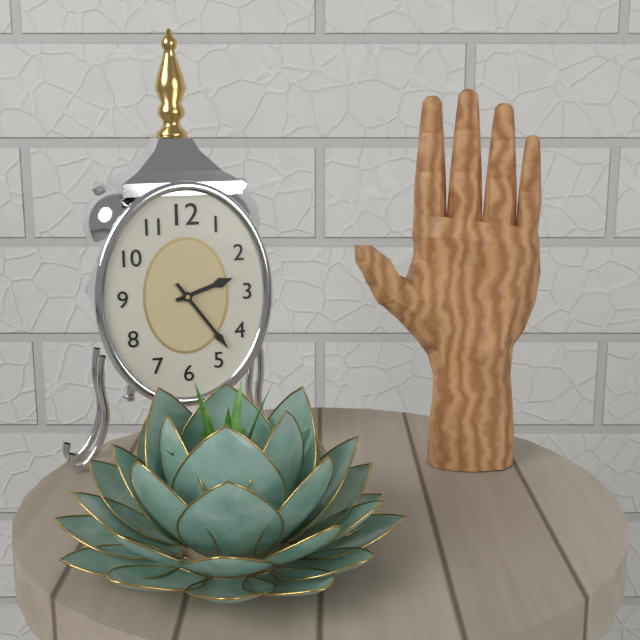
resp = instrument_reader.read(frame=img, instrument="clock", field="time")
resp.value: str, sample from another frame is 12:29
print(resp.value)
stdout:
2:24
